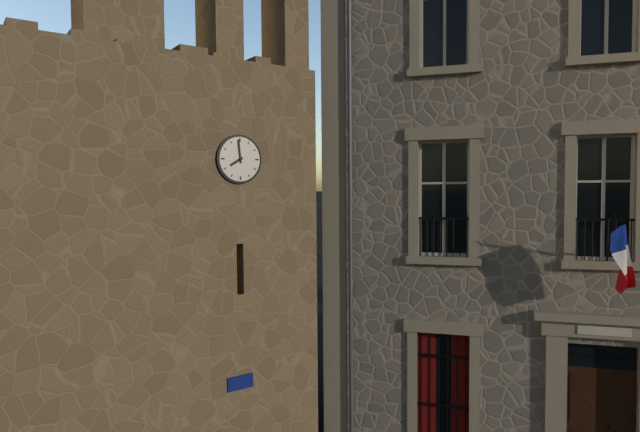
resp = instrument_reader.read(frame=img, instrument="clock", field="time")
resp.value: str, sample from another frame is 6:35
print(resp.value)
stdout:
7:59
